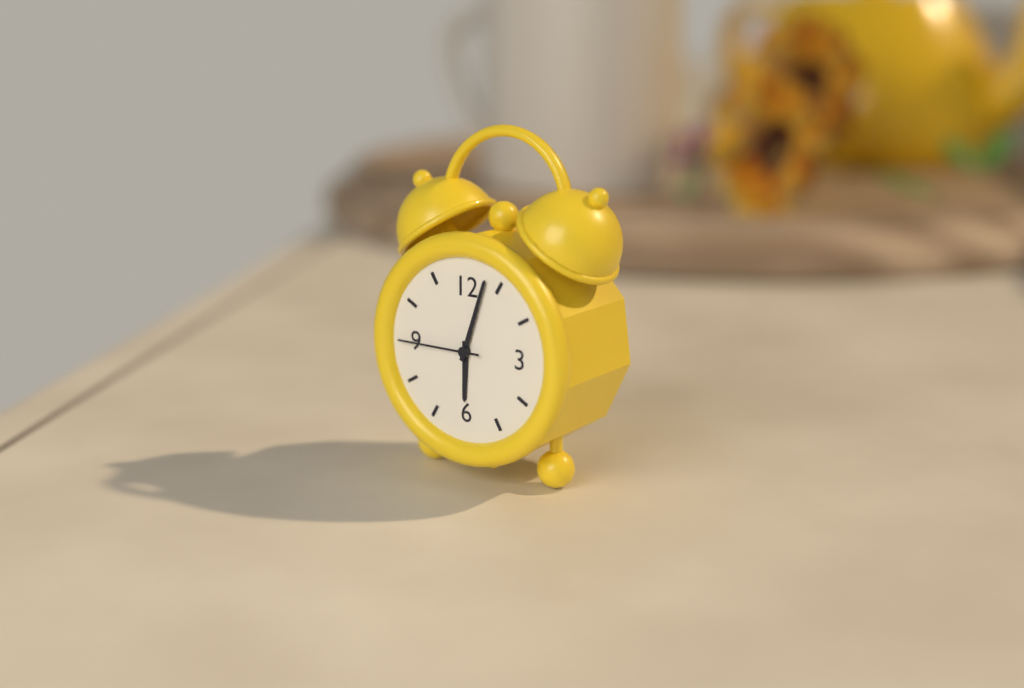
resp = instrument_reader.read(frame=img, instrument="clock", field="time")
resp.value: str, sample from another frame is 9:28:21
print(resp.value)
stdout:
6:03:45
